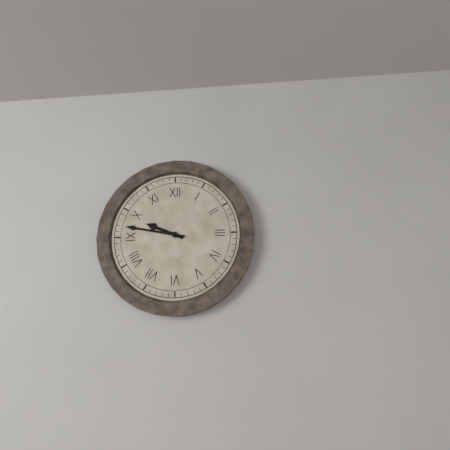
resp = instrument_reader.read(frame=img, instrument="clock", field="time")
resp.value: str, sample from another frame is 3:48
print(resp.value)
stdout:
9:47
